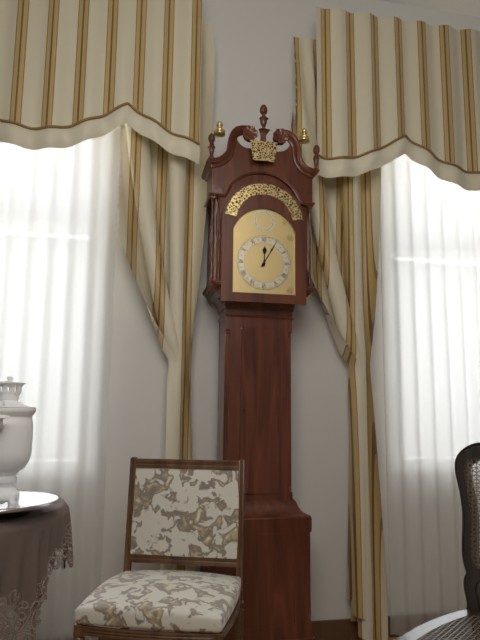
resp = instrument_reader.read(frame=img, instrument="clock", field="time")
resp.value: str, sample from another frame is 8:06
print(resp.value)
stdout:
12:05
